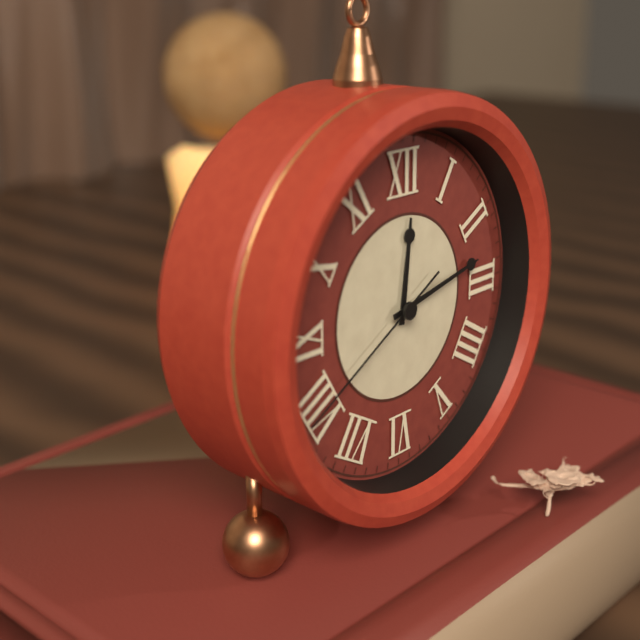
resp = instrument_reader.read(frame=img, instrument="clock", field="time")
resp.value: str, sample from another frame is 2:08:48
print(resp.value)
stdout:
12:13:40
